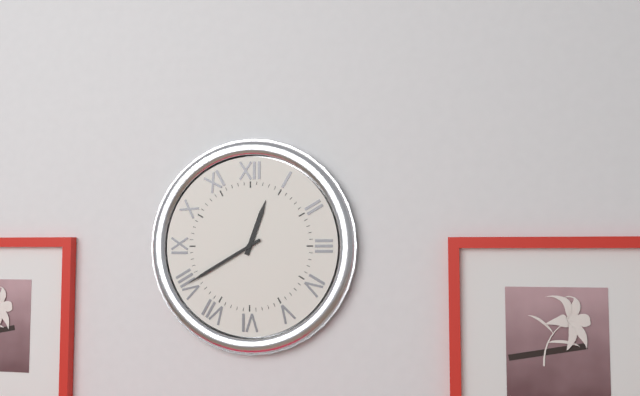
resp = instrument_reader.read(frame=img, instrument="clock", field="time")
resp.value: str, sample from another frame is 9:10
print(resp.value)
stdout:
12:40
